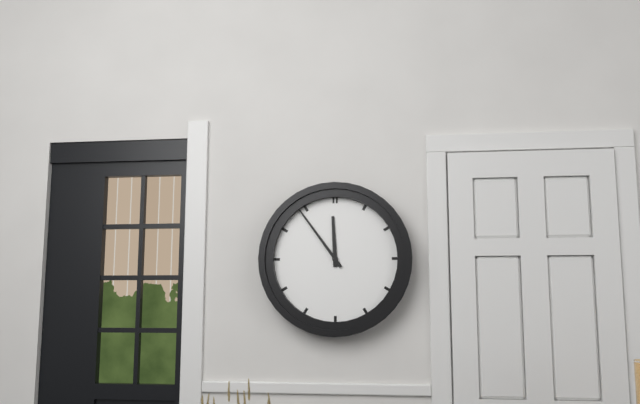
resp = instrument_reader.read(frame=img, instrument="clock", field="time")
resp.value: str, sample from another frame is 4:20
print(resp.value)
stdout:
11:54
